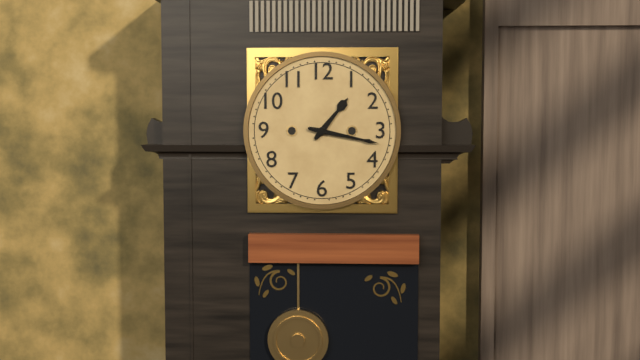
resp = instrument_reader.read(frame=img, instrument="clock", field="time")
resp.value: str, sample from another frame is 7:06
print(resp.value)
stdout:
1:17
